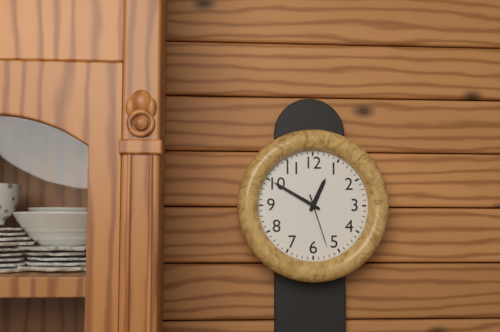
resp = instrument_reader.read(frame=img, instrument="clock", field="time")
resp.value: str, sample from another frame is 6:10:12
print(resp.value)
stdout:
12:50:27
